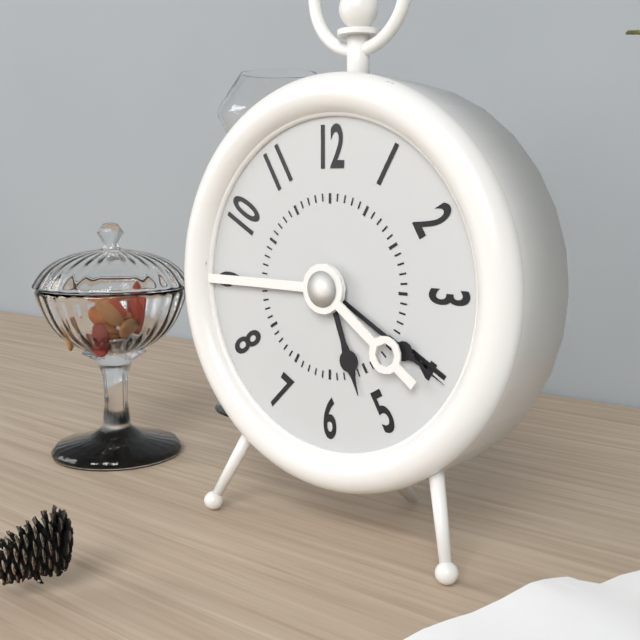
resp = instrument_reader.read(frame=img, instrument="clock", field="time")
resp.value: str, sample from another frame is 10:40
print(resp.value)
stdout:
5:20
